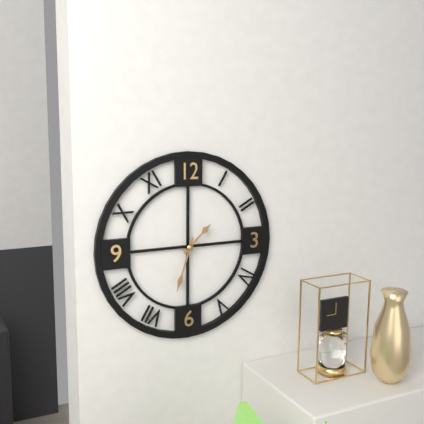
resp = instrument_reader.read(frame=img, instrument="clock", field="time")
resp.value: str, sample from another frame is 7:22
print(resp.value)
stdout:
1:33
